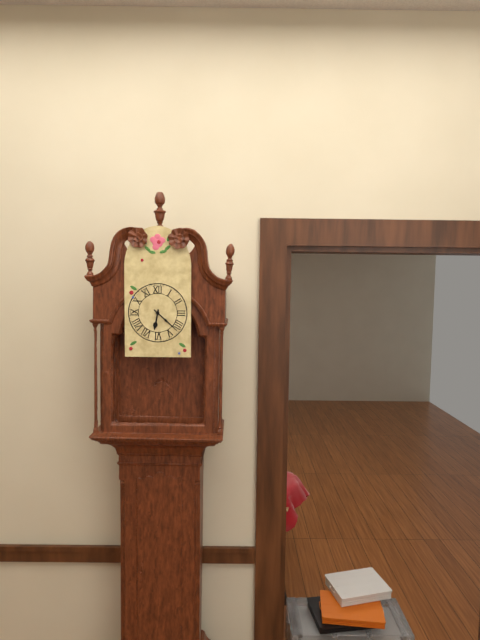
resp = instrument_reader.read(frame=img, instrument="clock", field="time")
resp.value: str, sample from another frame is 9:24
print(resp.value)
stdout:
6:22
